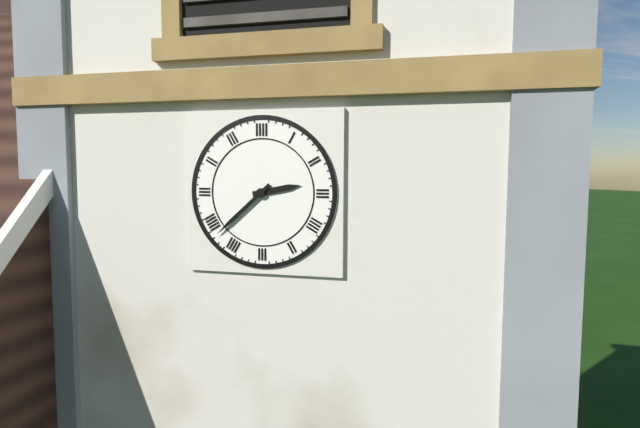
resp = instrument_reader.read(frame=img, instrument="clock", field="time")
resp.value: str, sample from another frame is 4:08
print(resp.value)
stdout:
2:38
